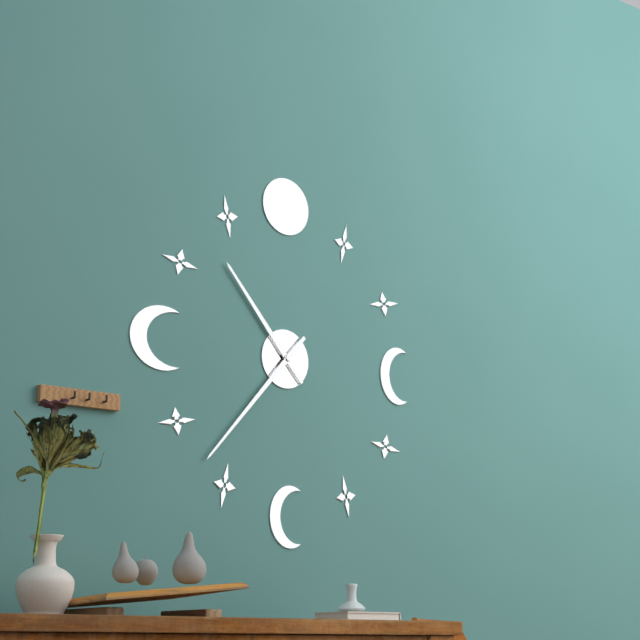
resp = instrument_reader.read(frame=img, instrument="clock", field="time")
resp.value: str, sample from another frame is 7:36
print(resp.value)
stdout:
10:37
